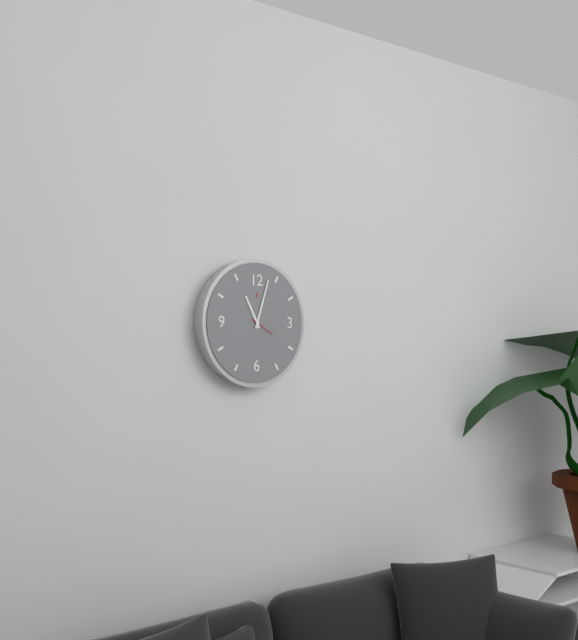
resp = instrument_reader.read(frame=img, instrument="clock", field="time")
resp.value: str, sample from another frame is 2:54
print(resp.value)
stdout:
11:03
